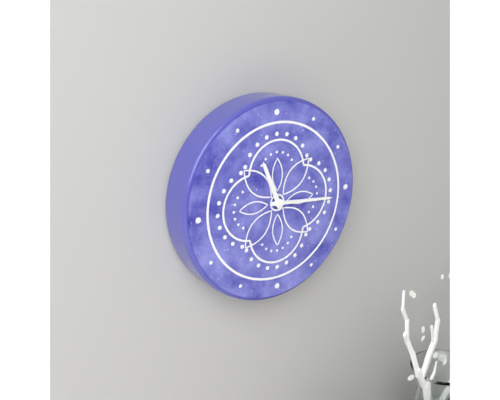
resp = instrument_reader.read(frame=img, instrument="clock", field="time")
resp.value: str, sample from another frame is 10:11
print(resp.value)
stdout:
11:16
